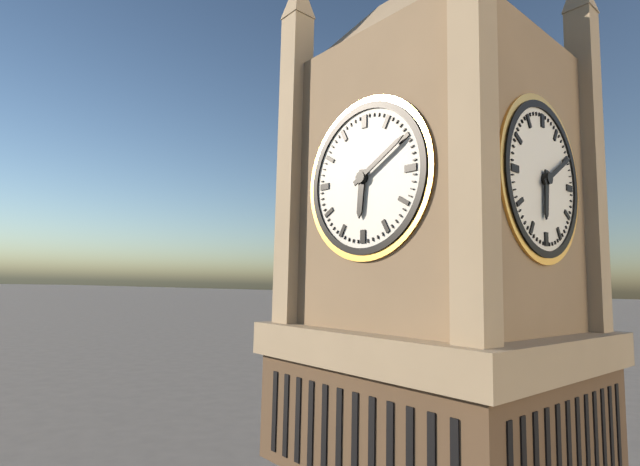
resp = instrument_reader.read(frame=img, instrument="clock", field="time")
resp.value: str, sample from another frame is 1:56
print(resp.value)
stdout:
6:10
